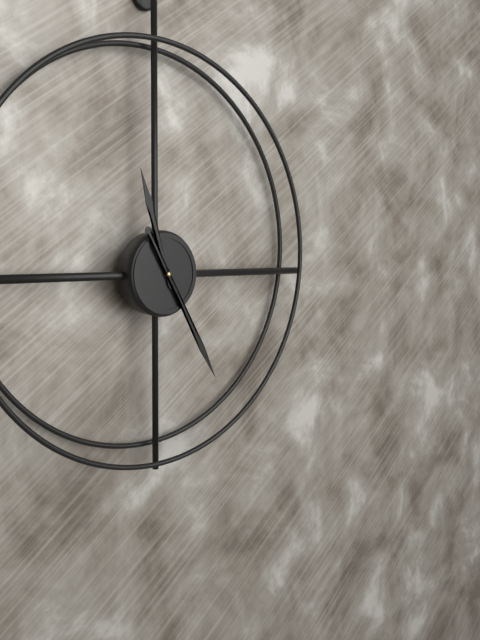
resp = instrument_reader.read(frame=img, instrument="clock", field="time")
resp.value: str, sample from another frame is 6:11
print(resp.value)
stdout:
11:25
